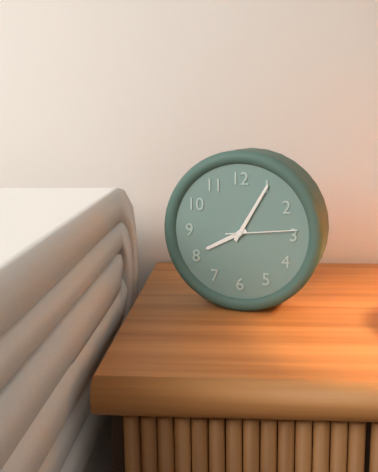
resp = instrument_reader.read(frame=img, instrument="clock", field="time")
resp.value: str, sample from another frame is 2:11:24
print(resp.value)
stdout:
8:05:14
